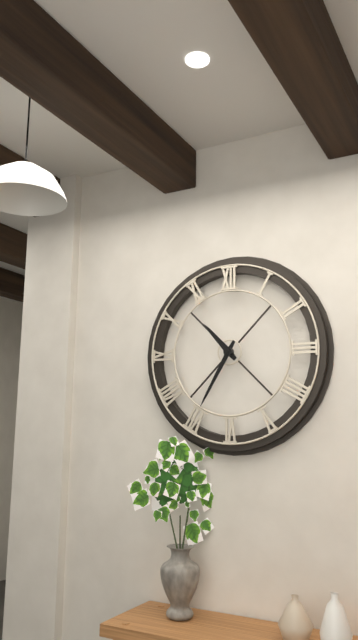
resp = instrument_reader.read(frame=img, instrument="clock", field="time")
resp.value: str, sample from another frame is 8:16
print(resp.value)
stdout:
10:35
